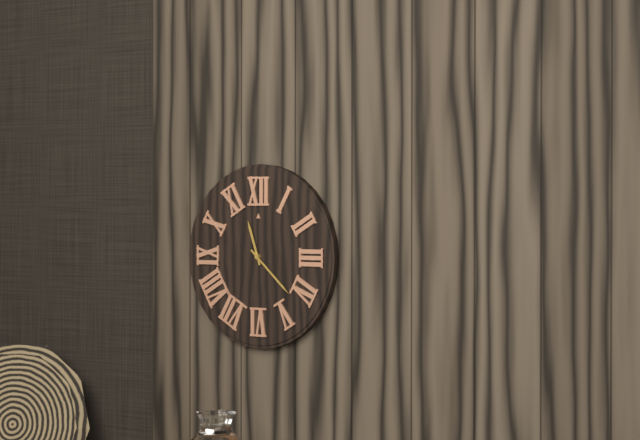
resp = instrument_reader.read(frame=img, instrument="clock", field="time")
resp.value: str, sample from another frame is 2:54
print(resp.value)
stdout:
11:22
